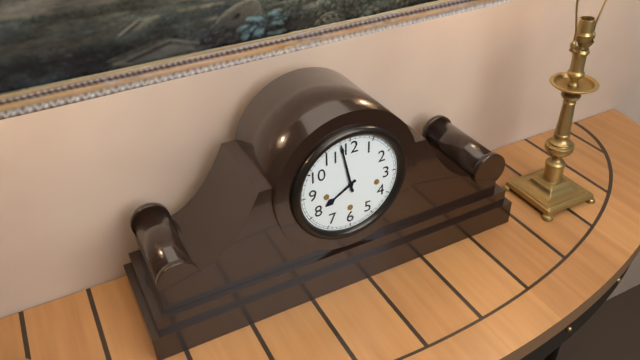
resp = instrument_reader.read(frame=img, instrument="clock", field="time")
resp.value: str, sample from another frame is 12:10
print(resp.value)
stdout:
7:58
